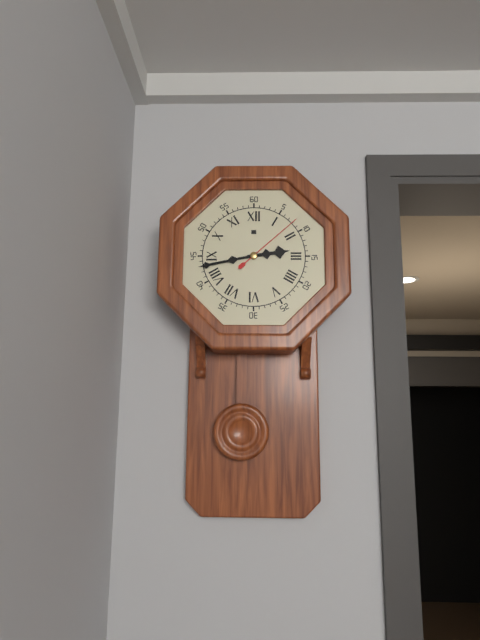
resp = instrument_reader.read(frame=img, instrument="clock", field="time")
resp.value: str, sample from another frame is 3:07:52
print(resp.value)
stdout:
2:43:08
